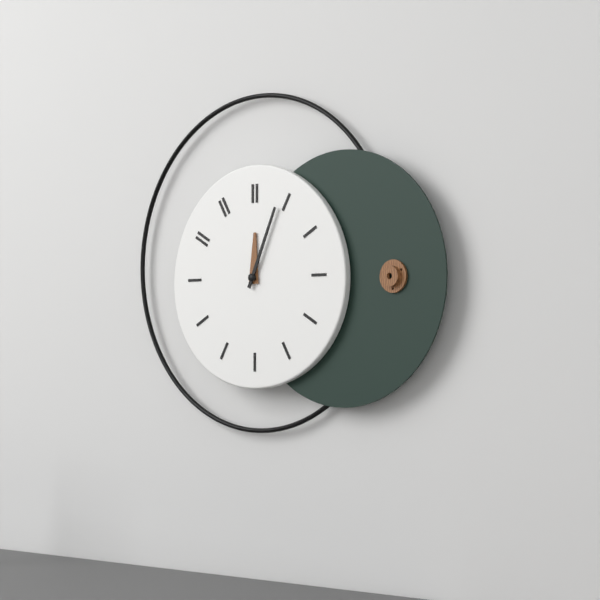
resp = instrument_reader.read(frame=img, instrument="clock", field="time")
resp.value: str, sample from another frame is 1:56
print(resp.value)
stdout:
12:04
